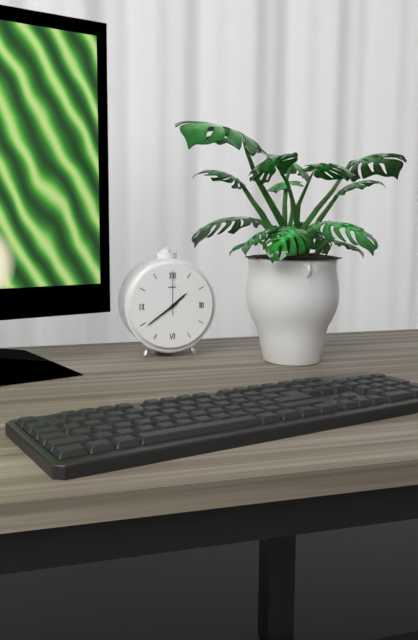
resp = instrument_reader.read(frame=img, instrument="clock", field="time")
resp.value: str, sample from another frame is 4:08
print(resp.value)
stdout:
1:39
